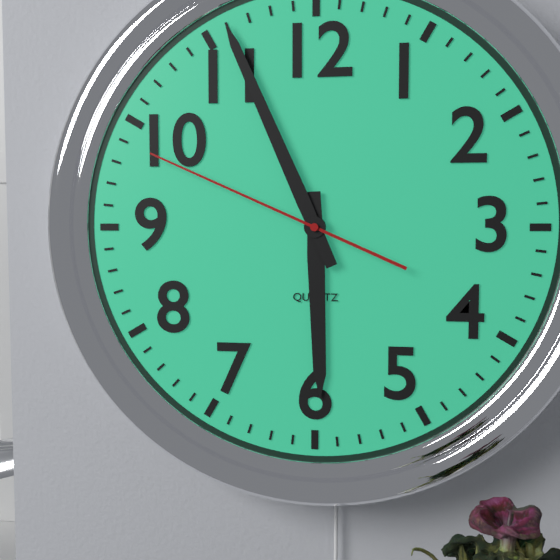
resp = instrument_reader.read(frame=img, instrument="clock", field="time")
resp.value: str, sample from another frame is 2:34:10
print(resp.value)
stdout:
5:56:49
